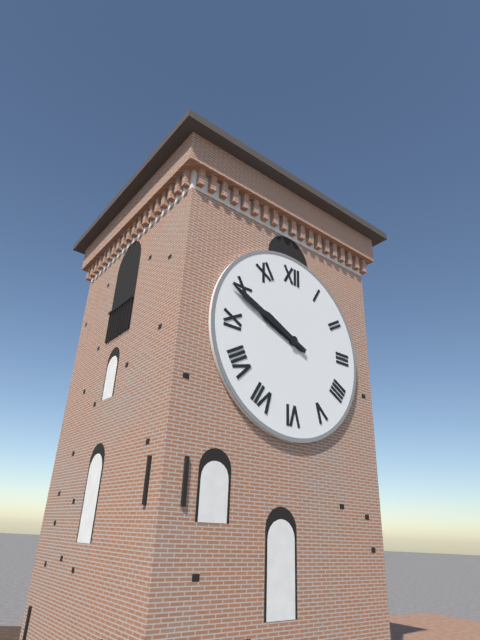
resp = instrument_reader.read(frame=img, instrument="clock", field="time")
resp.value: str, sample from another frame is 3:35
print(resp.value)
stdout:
9:49
